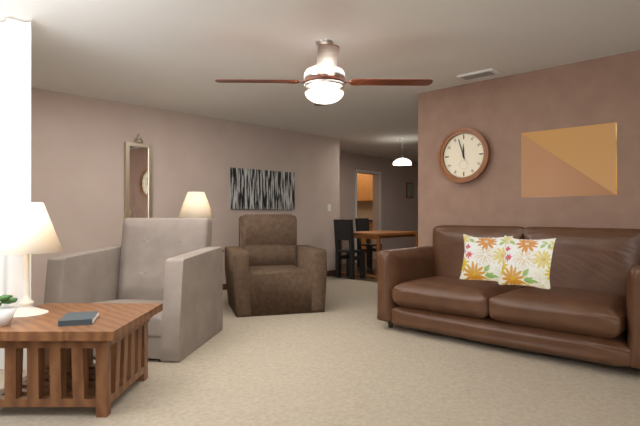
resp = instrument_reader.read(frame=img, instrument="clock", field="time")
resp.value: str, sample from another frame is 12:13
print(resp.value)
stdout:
11:57
